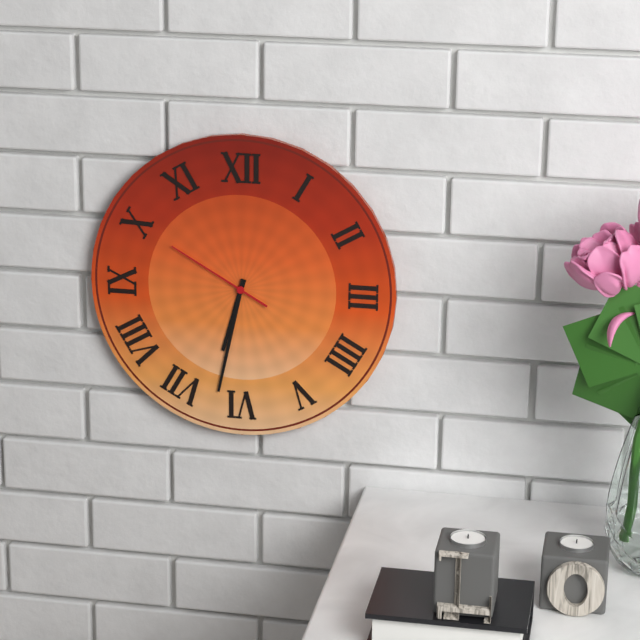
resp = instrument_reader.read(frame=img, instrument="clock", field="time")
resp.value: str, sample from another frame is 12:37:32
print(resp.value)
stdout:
6:32:50
